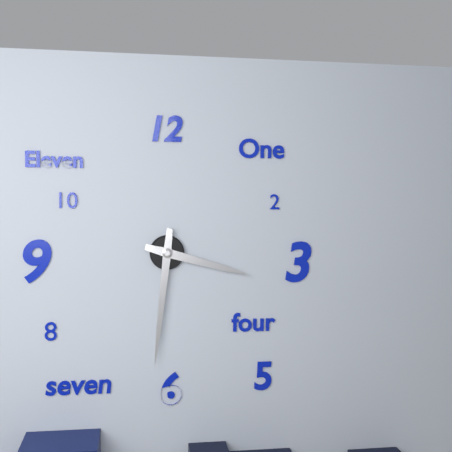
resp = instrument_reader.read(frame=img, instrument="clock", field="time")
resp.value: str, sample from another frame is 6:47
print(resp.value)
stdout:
3:31
